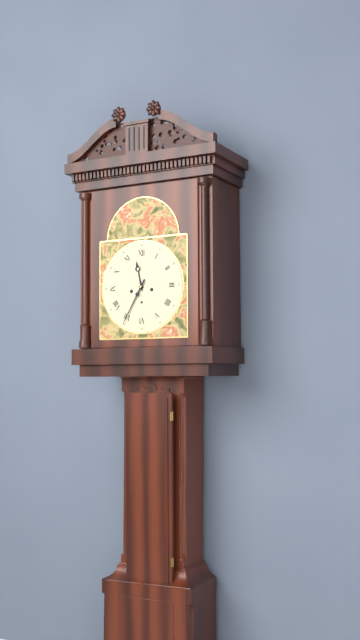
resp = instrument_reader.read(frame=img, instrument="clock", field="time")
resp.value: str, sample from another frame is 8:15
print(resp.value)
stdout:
11:35
